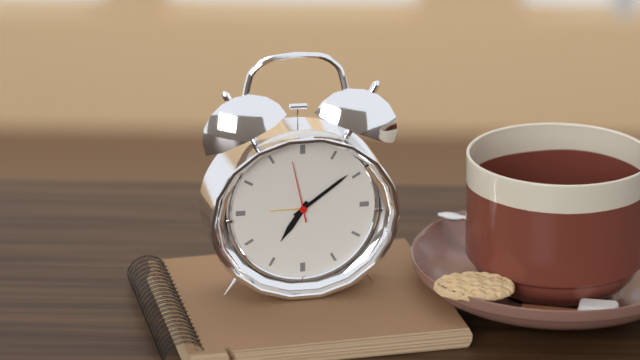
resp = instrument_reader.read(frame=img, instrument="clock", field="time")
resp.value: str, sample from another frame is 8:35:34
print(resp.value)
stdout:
7:09:58
